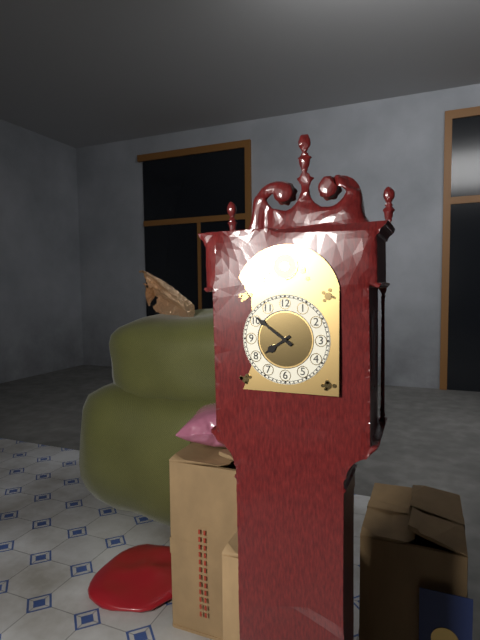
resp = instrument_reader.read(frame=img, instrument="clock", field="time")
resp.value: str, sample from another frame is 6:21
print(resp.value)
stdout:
7:51
